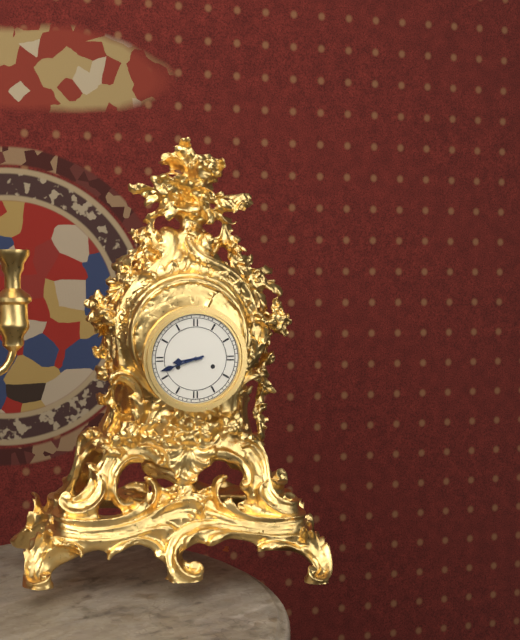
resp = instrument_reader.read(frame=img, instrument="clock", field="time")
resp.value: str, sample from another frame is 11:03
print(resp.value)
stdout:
8:42
